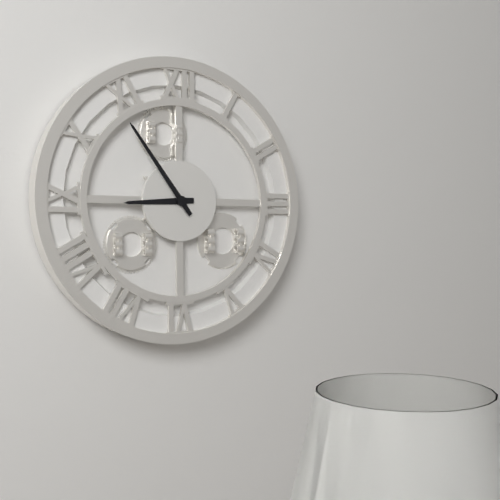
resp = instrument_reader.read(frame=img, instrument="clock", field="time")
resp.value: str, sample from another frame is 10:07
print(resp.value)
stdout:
8:54
